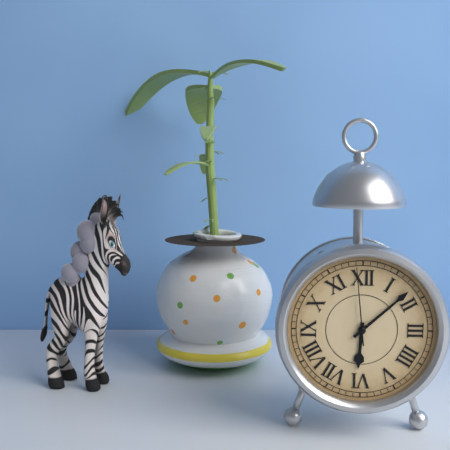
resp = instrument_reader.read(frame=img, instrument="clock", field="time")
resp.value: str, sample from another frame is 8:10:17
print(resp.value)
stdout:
6:08:59
